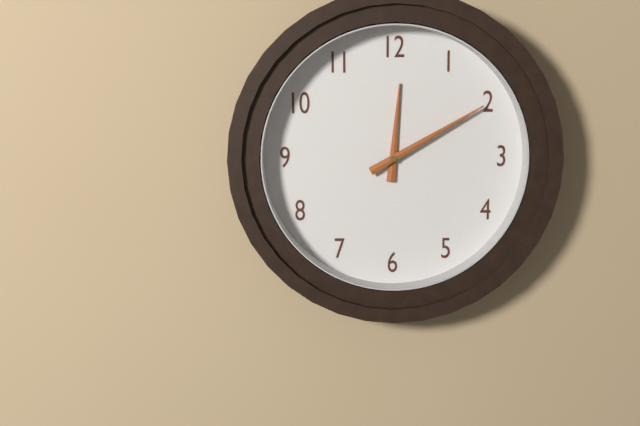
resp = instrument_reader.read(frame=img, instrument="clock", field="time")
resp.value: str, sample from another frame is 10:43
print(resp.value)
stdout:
12:10
